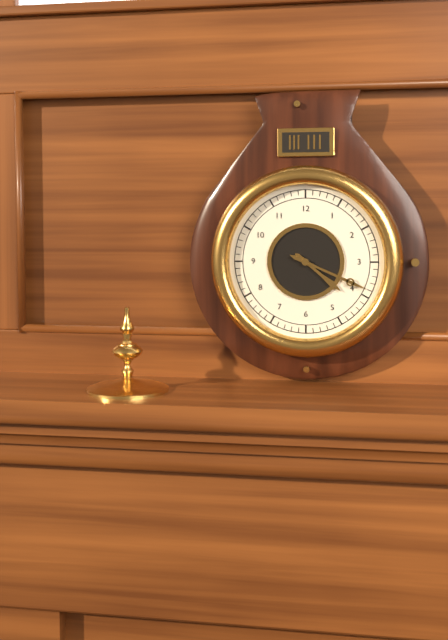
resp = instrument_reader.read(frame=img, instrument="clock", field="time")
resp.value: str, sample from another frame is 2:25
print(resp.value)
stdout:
4:19
